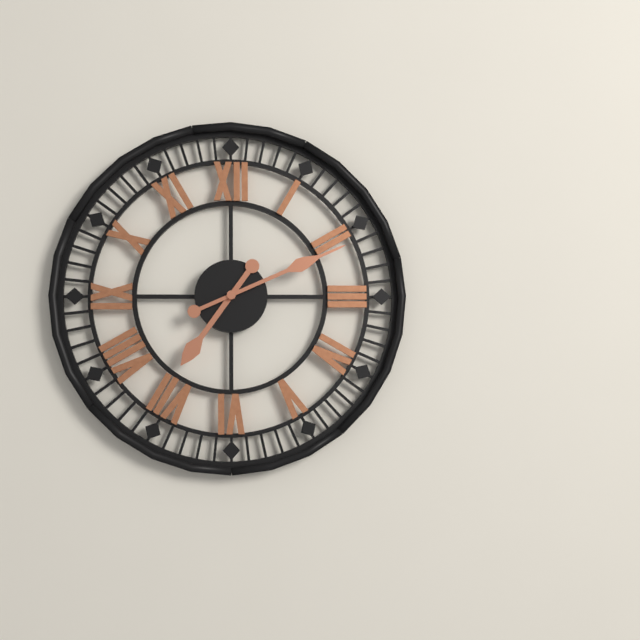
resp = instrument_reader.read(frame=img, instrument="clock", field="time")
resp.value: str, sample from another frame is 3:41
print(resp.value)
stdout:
7:11
